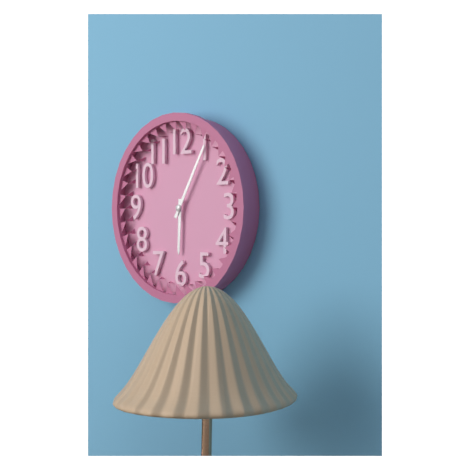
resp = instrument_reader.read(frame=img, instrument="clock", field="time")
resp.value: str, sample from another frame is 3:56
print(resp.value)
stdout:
6:05
